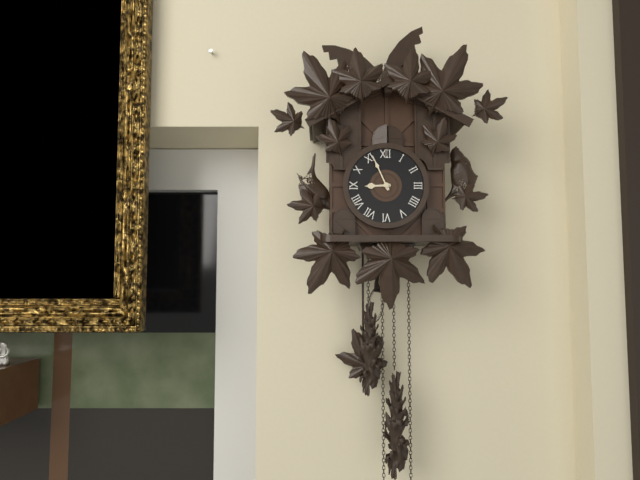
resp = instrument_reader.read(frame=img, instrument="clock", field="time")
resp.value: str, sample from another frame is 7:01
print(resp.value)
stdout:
8:56
